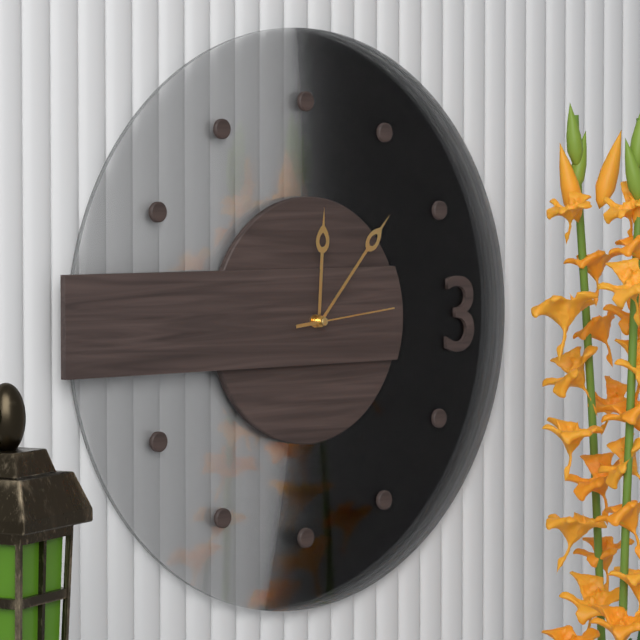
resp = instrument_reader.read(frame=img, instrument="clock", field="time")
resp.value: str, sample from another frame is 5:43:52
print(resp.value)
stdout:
12:07:14
